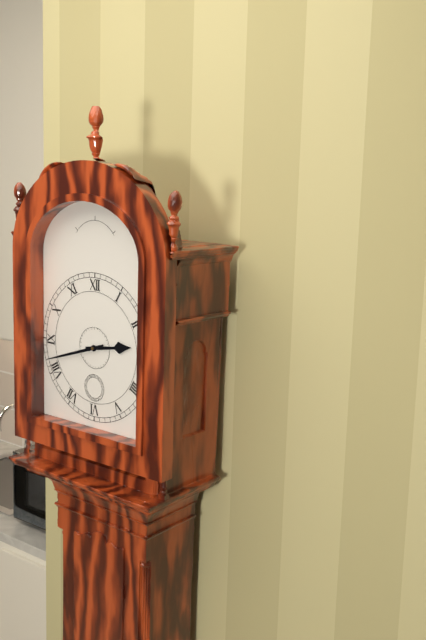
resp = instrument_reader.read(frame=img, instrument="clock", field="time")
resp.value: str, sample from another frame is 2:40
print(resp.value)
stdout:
2:42
